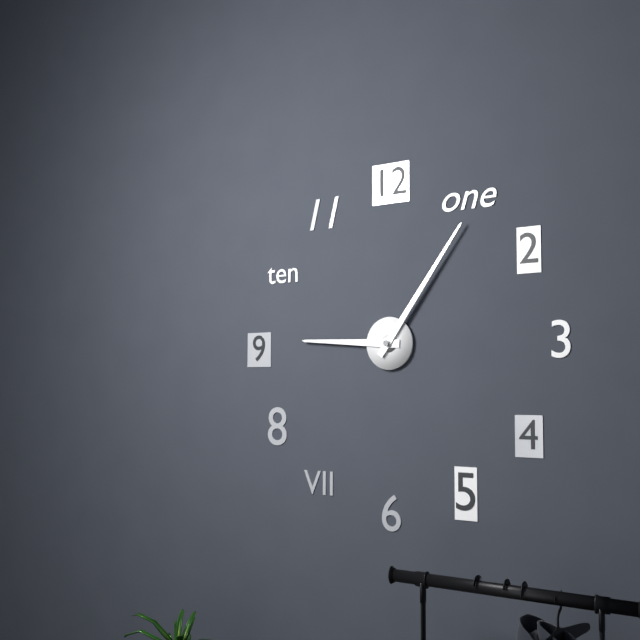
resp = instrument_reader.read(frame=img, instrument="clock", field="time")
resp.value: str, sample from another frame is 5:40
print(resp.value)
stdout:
9:06
